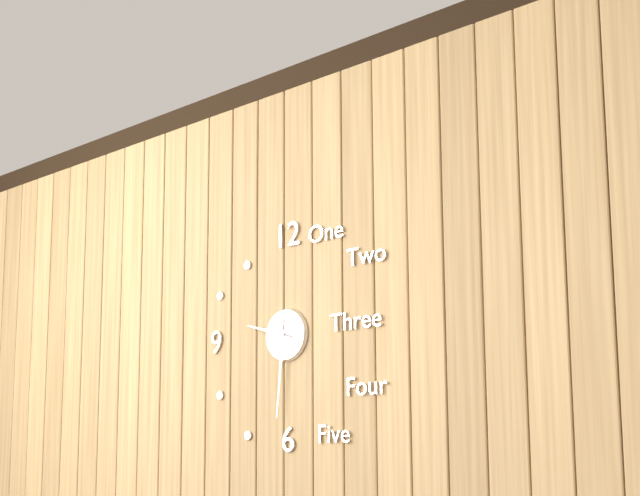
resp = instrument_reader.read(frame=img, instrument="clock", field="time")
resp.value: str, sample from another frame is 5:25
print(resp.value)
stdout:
9:31
